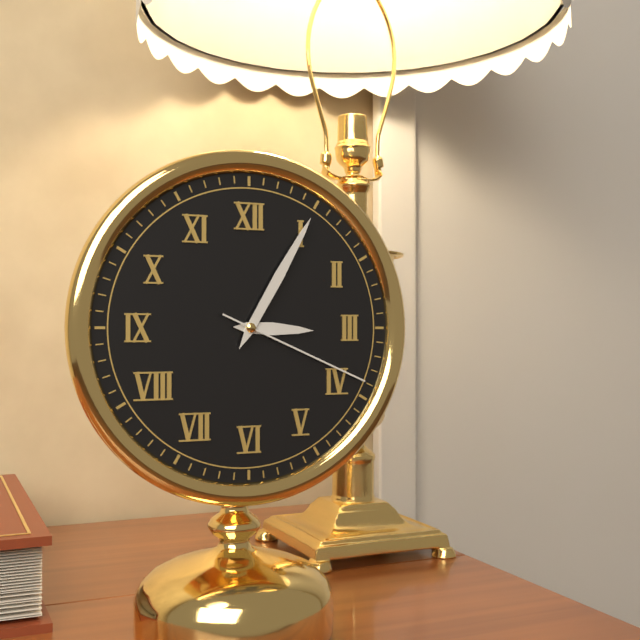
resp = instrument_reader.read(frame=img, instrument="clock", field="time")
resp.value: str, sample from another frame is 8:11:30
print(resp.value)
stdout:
3:05:19
